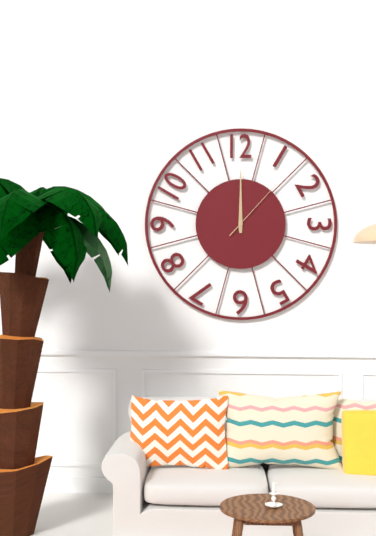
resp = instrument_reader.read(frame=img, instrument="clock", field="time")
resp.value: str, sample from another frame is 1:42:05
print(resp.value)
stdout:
12:00:07
